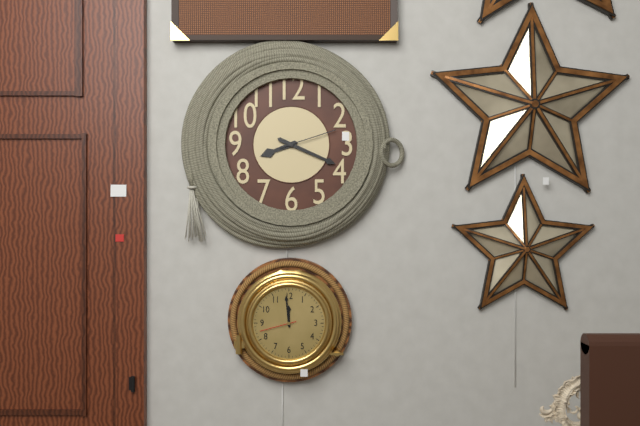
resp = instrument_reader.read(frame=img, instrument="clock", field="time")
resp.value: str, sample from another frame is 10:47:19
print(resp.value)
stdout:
8:19:12
